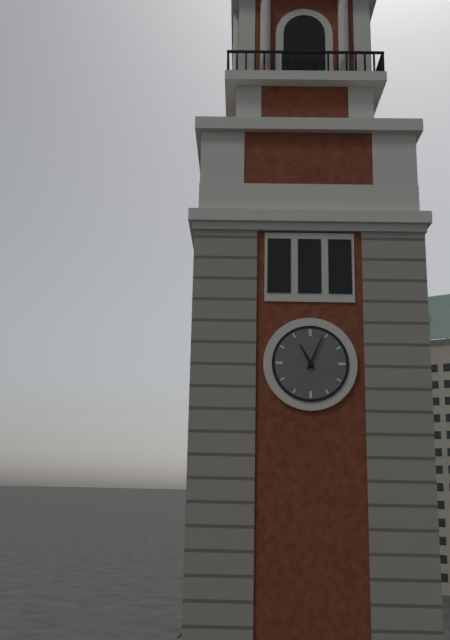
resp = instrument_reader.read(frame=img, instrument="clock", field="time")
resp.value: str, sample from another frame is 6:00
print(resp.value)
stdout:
11:04
